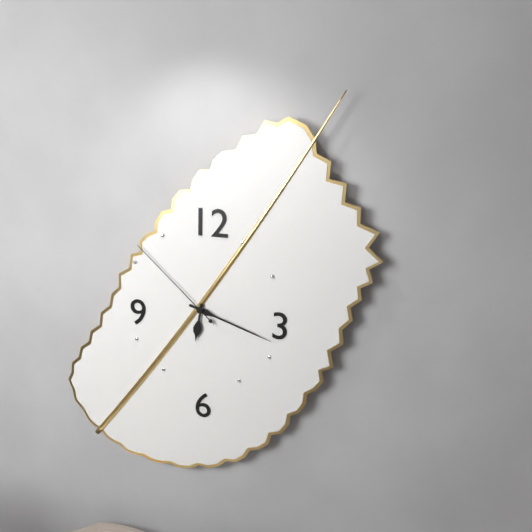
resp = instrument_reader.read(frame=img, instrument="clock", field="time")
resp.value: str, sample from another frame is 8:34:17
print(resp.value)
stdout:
6:18:52
